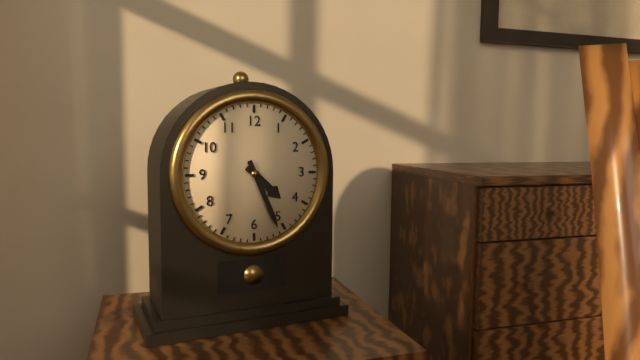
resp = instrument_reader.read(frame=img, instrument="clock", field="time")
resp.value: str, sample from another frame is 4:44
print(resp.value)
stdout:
4:26
